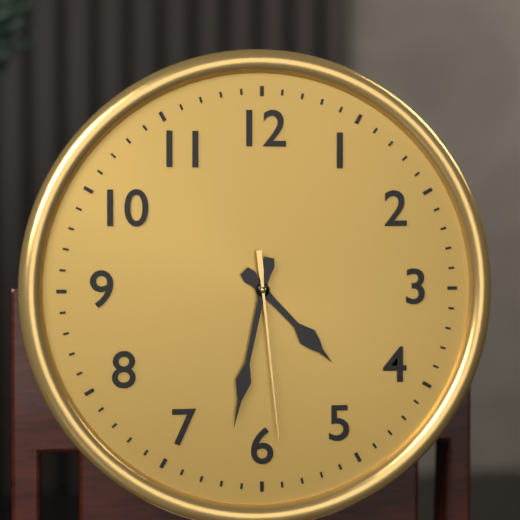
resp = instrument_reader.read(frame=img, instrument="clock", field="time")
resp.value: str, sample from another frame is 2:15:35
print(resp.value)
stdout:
4:32:29
